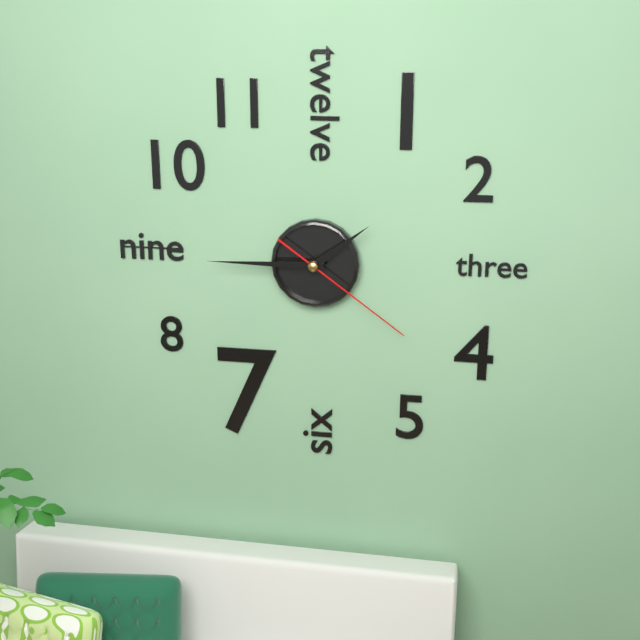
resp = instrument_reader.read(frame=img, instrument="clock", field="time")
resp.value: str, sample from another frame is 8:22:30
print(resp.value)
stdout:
1:45:21
